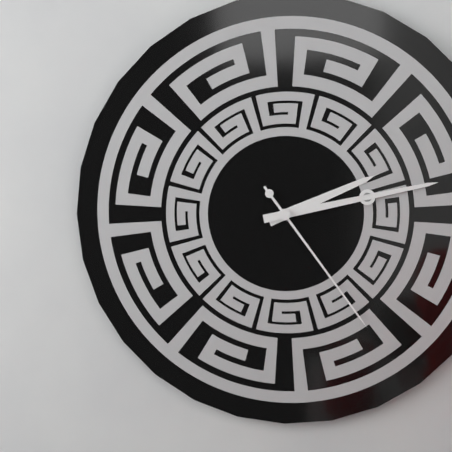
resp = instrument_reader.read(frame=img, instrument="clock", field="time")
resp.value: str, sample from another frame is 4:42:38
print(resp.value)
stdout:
2:13:24
